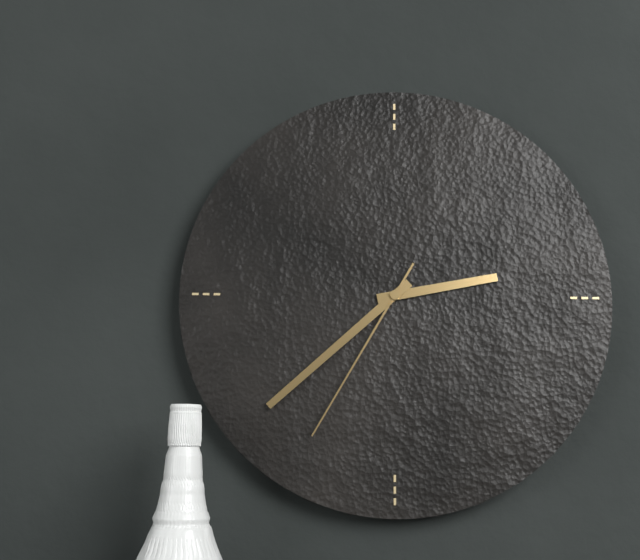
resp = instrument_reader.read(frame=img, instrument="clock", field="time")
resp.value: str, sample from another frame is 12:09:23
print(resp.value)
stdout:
2:38:35
